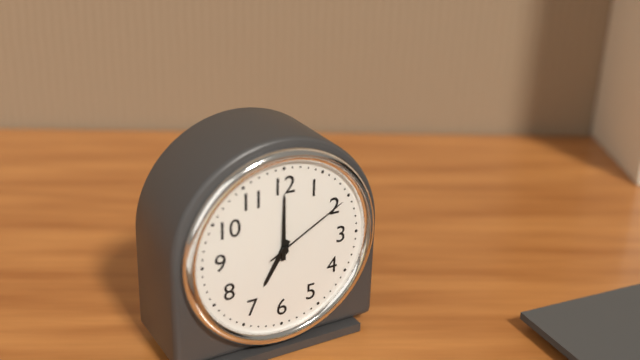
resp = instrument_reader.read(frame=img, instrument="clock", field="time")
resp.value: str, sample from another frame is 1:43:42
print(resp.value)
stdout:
7:00:10
